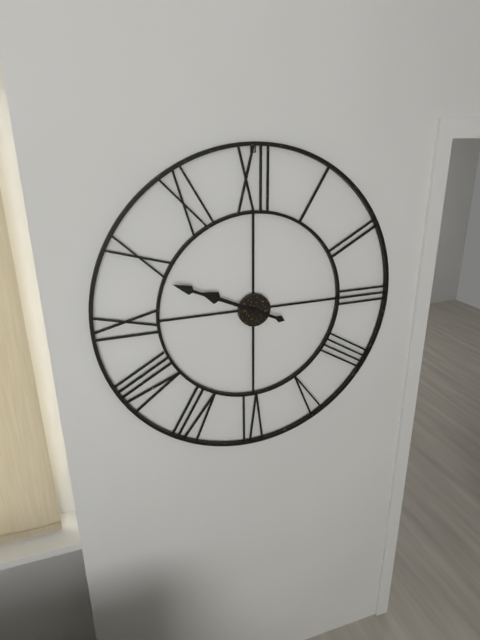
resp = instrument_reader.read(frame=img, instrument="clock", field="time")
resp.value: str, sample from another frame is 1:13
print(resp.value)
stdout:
9:49
